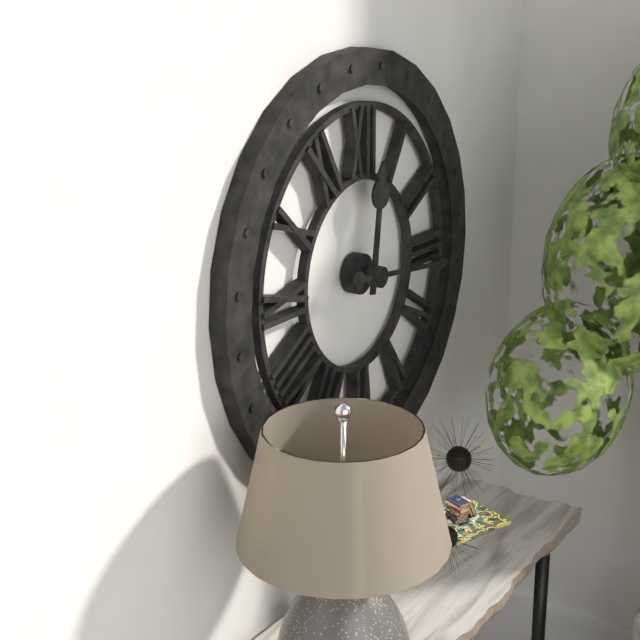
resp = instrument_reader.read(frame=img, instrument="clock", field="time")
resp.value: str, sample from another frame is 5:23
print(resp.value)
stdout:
12:16
